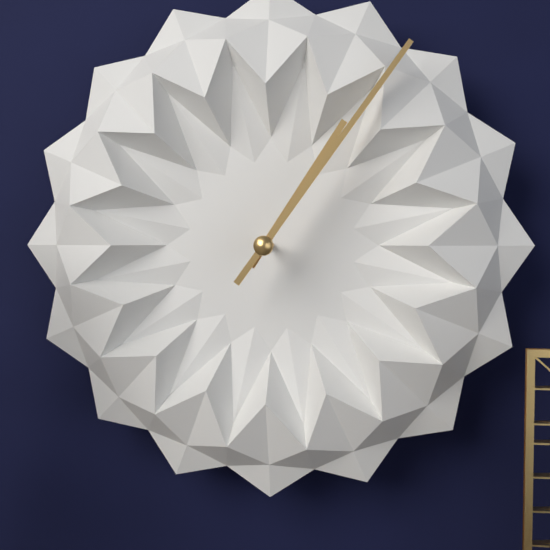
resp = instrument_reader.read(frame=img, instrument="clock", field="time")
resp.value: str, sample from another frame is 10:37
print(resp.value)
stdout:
1:06
